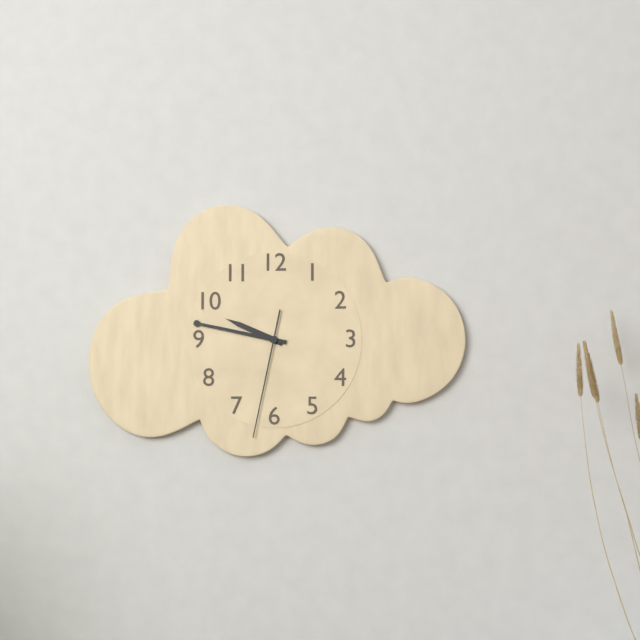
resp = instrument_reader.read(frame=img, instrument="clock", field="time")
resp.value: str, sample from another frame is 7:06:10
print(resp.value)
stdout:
9:47:32
